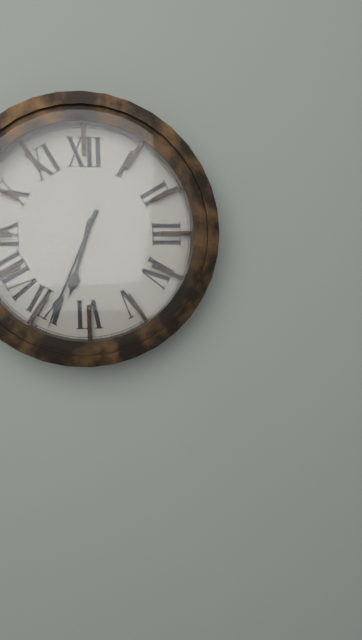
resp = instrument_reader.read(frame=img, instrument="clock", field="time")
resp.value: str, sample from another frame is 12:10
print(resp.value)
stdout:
6:34
